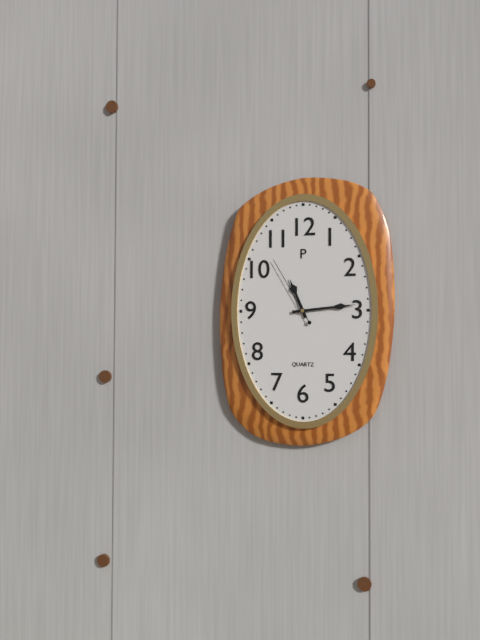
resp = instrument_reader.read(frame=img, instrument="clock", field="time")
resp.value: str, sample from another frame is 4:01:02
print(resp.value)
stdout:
11:14:55
